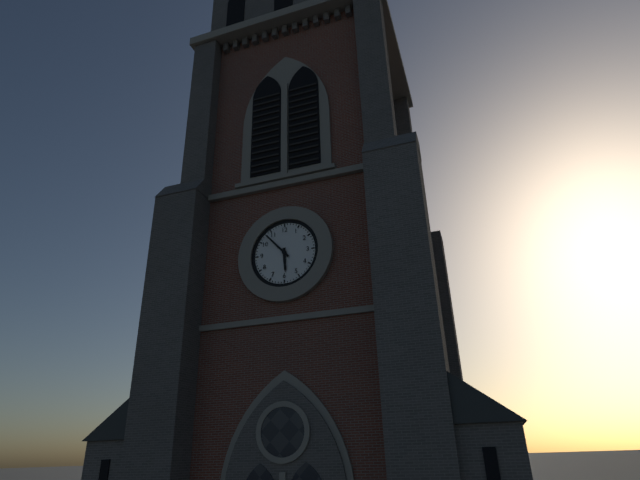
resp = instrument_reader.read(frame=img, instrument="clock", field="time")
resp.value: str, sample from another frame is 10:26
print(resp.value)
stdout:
5:53
